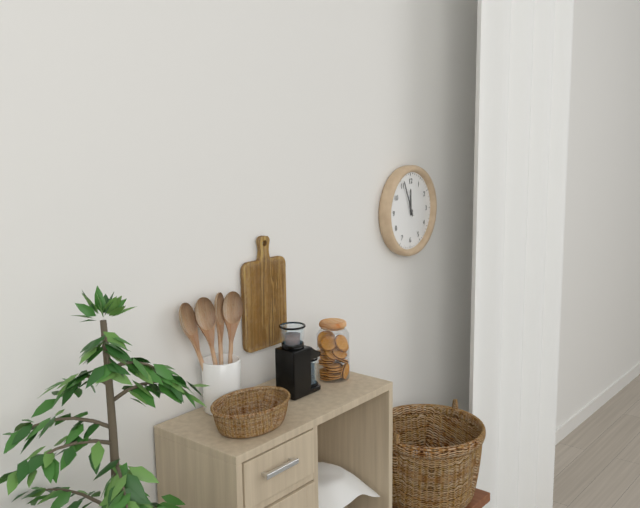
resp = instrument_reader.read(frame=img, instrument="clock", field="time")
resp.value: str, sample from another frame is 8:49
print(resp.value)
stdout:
11:56
